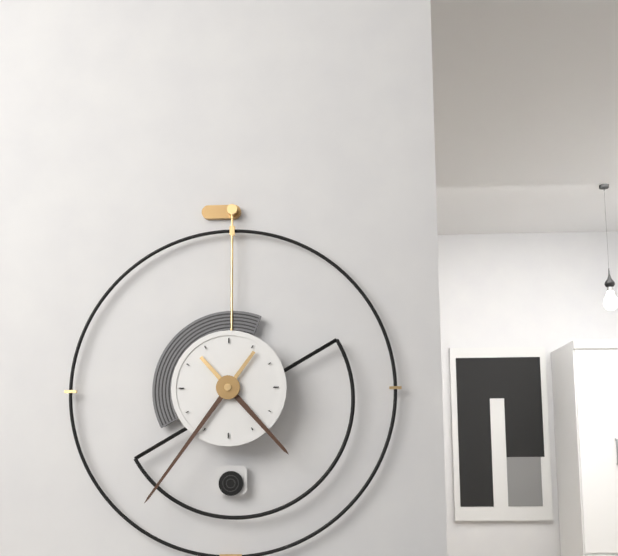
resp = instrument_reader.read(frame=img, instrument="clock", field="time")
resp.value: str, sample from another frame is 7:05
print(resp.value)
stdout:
4:36
